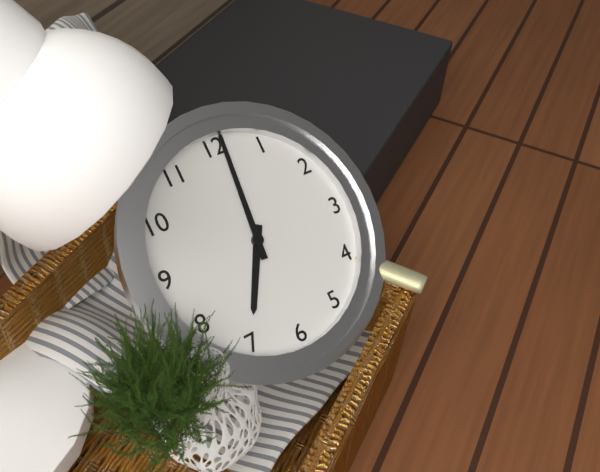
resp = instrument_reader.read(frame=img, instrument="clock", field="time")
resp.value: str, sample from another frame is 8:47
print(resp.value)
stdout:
7:01
